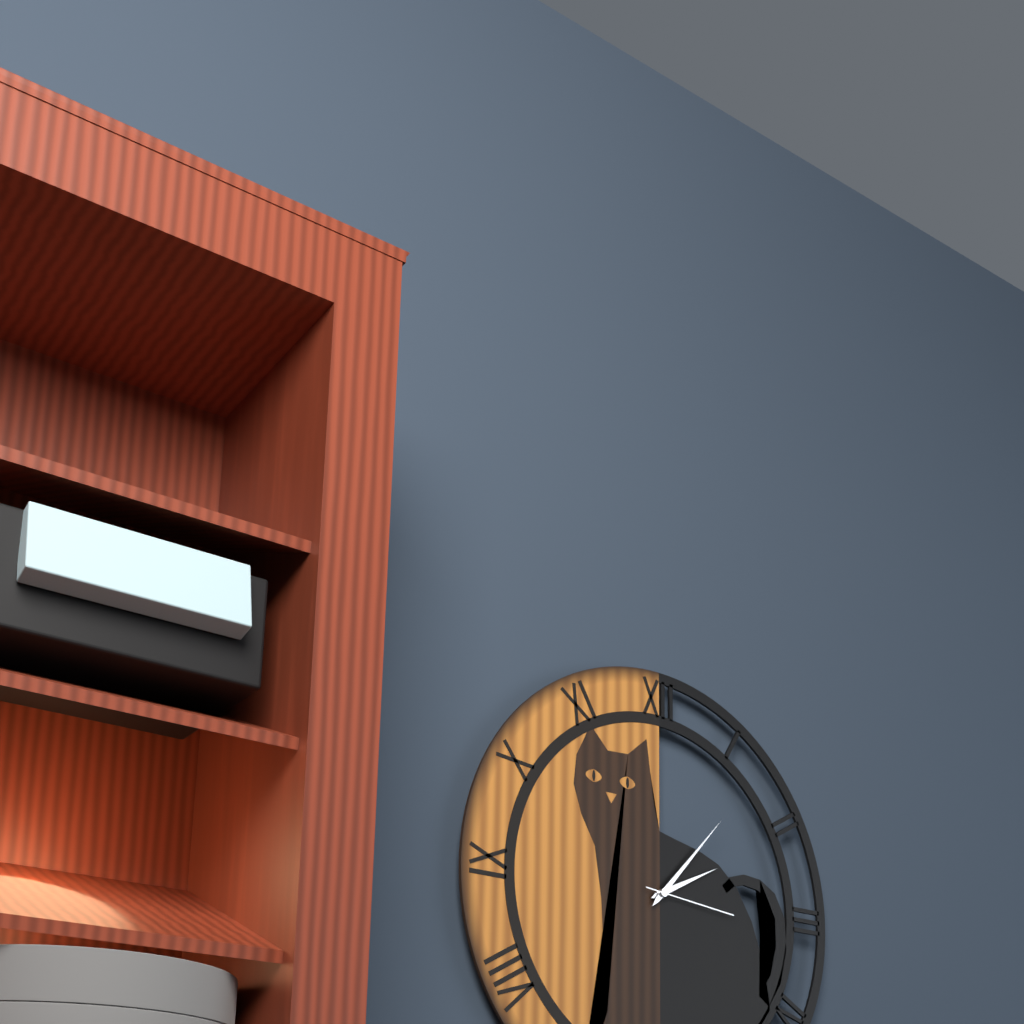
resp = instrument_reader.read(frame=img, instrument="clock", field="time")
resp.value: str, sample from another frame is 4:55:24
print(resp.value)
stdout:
2:07:16
